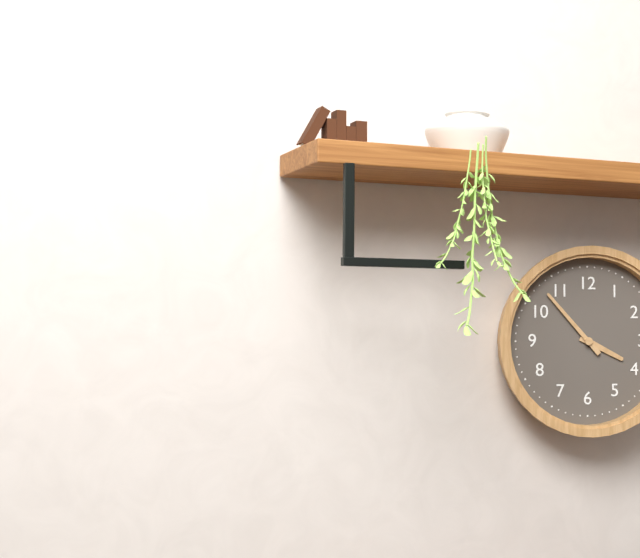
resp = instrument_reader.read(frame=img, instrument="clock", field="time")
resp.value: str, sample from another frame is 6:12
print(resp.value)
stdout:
3:53
